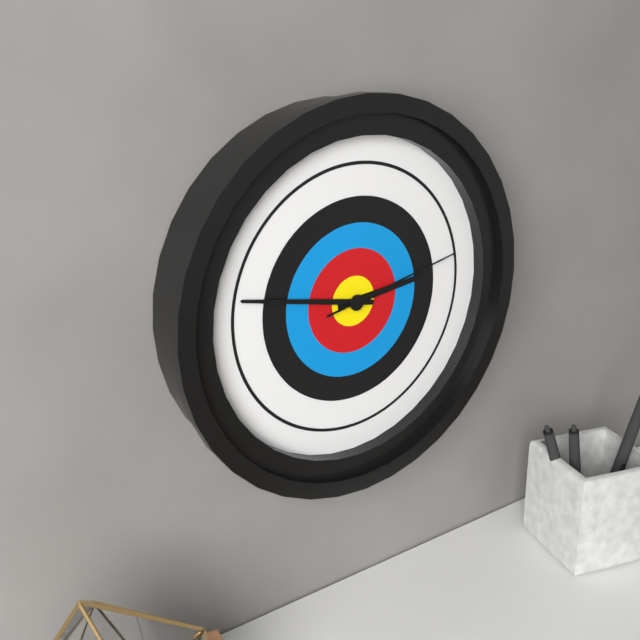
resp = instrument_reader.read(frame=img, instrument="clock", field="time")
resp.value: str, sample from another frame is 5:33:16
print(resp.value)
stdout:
2:47:13
